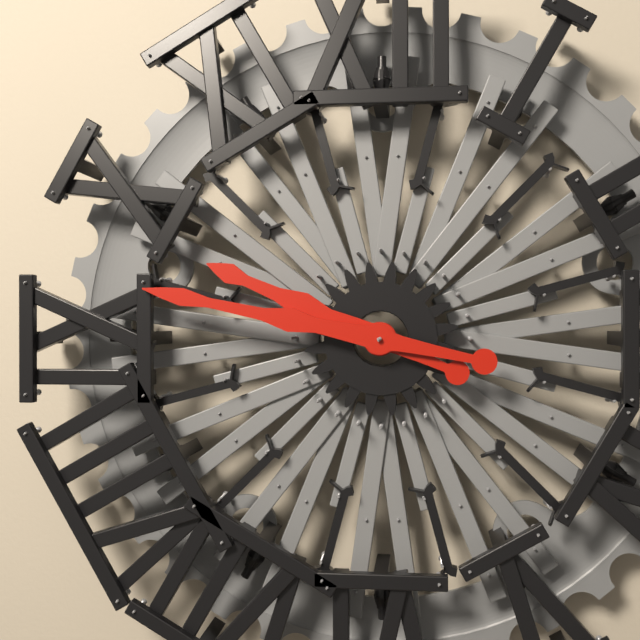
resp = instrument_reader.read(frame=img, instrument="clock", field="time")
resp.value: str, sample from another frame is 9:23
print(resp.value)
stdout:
9:47
